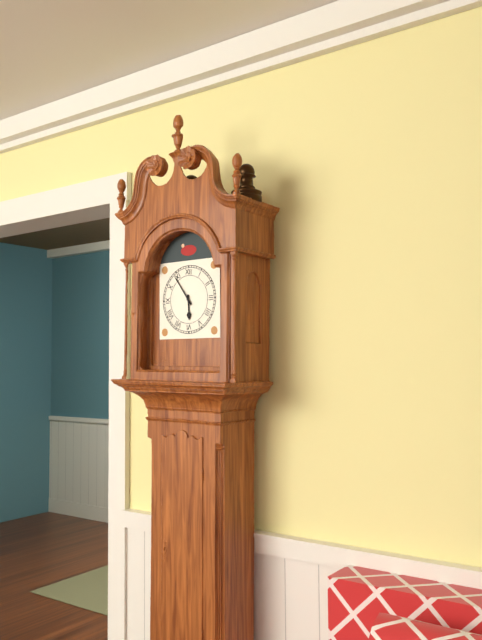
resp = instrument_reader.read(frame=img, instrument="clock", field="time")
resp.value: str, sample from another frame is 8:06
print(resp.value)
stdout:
5:54
